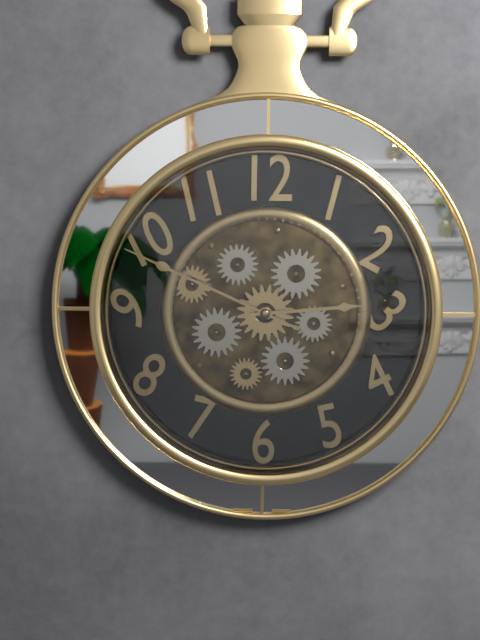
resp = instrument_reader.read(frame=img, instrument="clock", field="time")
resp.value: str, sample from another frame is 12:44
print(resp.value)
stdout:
2:49
